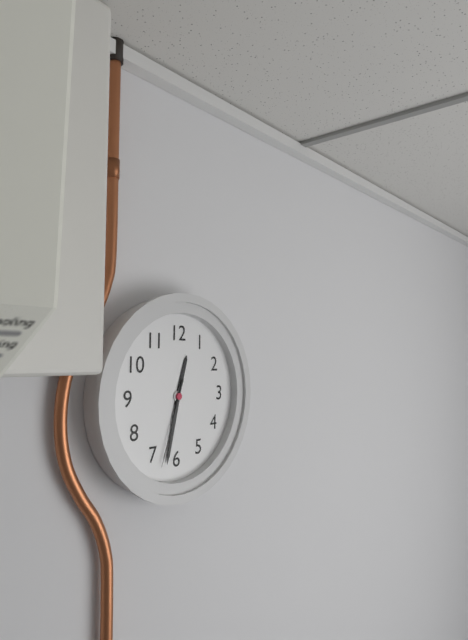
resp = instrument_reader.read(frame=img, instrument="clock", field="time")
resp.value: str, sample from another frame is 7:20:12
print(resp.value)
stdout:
12:32:33
